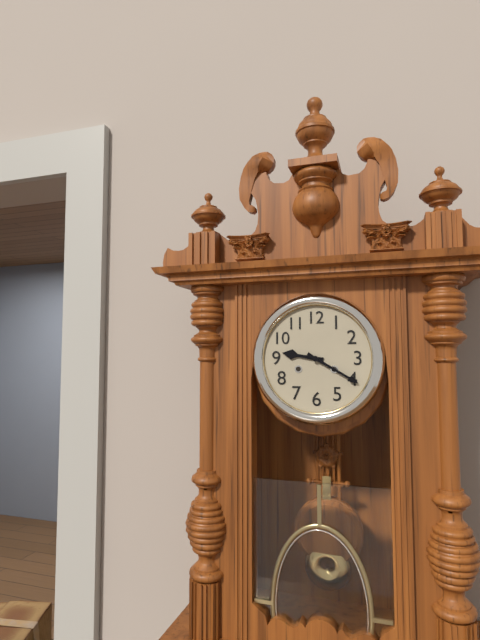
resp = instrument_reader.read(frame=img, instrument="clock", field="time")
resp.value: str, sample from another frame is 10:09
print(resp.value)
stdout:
9:20
